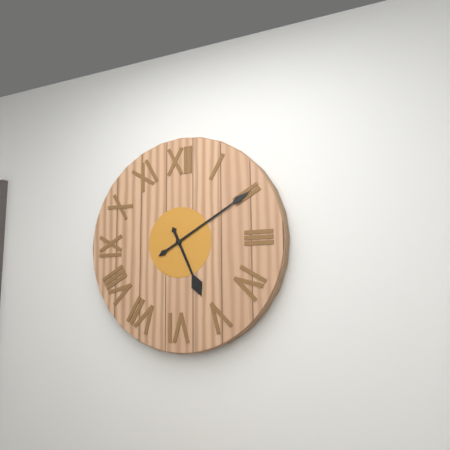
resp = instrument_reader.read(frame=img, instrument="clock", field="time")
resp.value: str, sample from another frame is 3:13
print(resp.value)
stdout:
5:10
